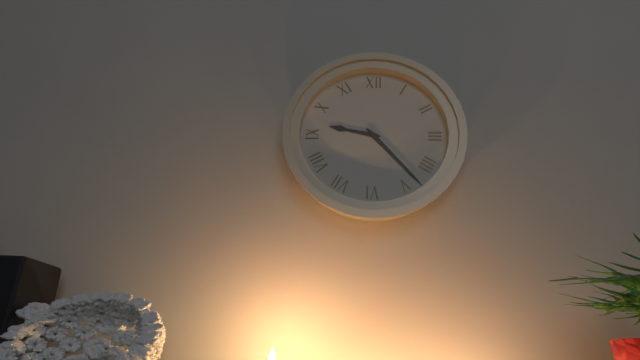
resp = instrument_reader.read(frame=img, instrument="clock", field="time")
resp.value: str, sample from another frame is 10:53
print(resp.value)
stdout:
9:23
